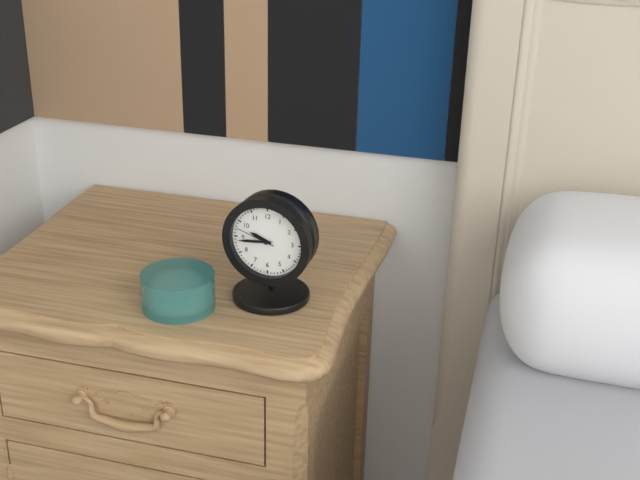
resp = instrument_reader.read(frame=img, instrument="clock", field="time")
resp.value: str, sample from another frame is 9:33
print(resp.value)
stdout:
9:44
